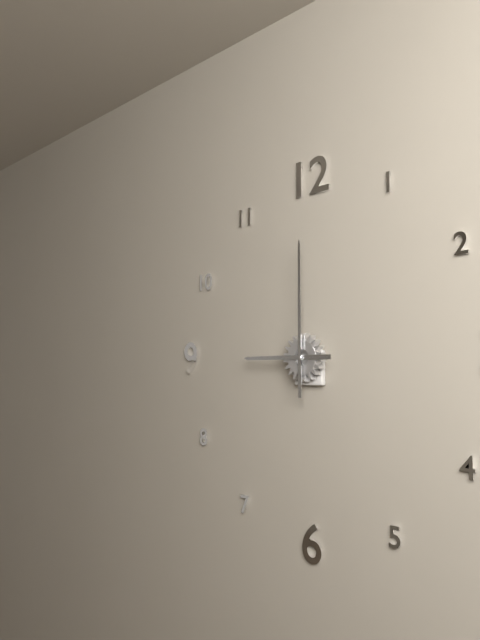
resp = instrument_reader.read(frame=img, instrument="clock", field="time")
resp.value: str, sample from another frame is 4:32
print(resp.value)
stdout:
9:00
